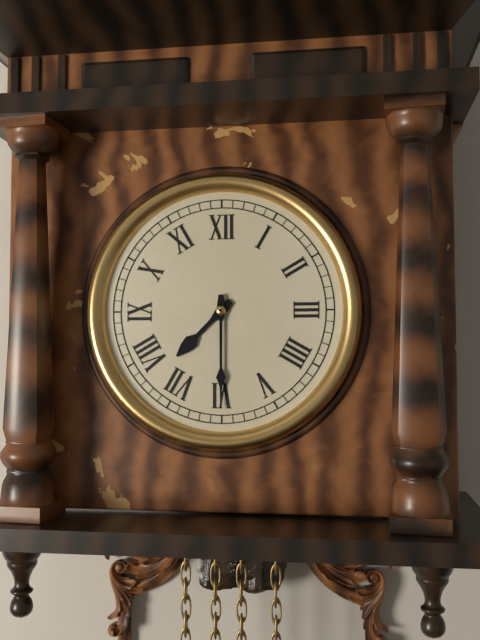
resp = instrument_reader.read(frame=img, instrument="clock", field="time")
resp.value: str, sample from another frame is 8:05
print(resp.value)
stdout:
7:30
